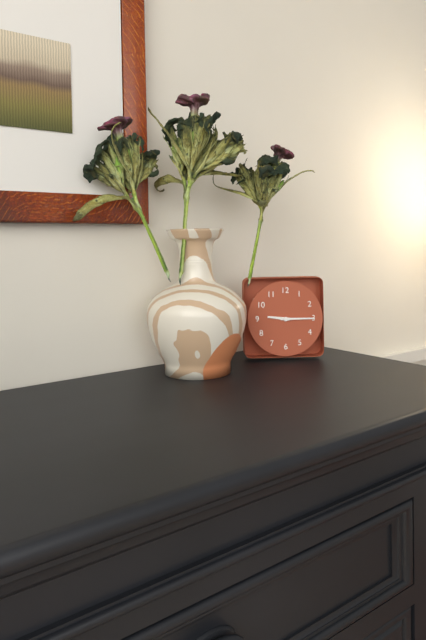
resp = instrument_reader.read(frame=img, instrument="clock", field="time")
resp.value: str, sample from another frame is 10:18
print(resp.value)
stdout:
9:15
